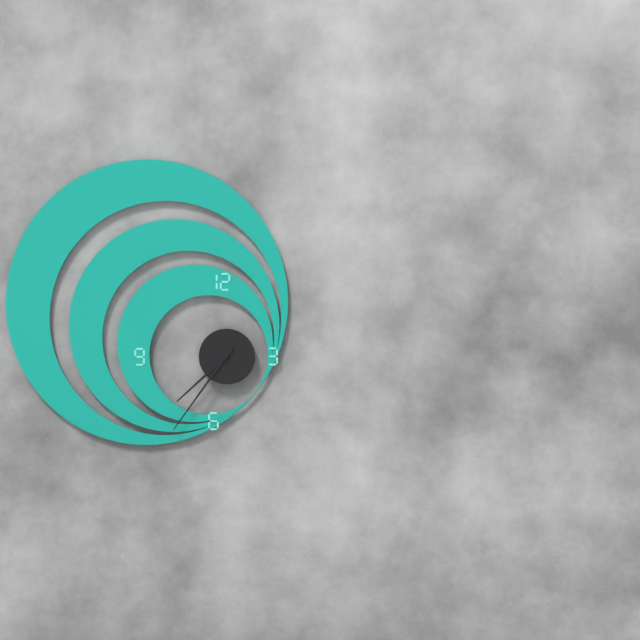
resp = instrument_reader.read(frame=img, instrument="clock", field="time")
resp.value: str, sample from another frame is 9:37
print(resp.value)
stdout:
7:36
